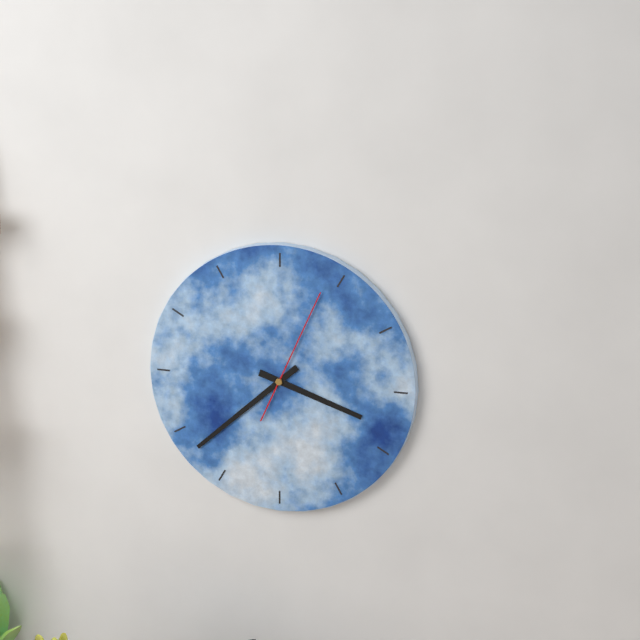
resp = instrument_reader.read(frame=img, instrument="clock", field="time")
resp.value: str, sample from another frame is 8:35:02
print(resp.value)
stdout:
3:38:04
